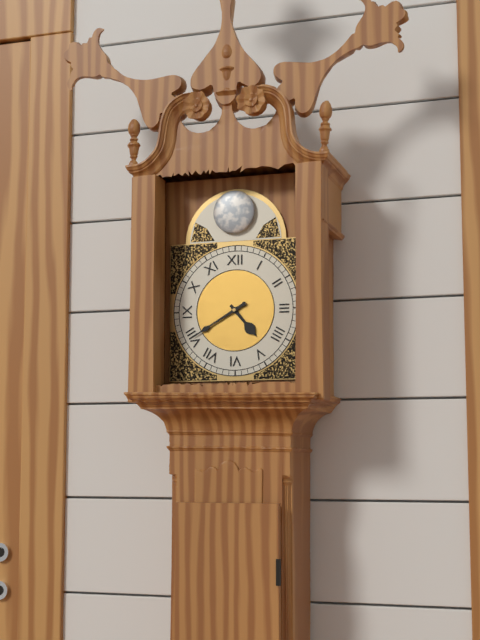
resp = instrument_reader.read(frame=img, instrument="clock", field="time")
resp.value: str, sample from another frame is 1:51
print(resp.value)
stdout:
4:40
